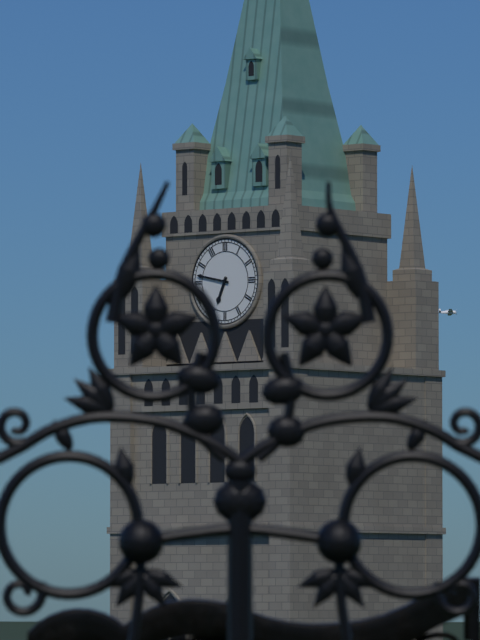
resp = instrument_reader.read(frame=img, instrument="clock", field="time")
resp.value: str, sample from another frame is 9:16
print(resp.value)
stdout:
6:47
